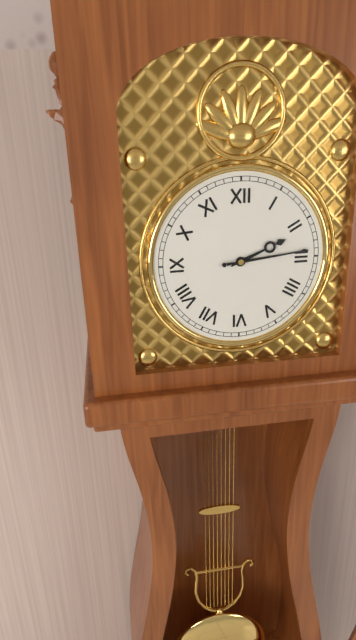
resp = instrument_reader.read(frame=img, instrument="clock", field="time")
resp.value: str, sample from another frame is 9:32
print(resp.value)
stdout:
2:14
